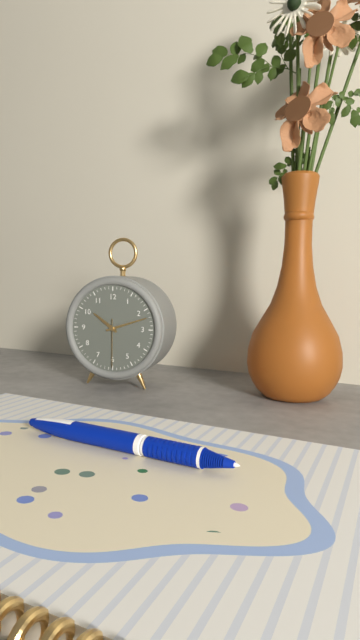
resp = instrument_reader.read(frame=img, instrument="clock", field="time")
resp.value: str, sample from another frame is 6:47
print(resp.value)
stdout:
10:12
